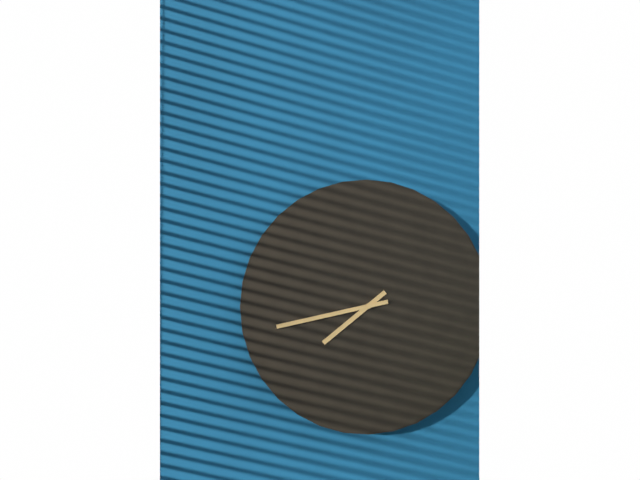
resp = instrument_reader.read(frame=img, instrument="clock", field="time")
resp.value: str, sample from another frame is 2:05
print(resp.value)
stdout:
7:43
